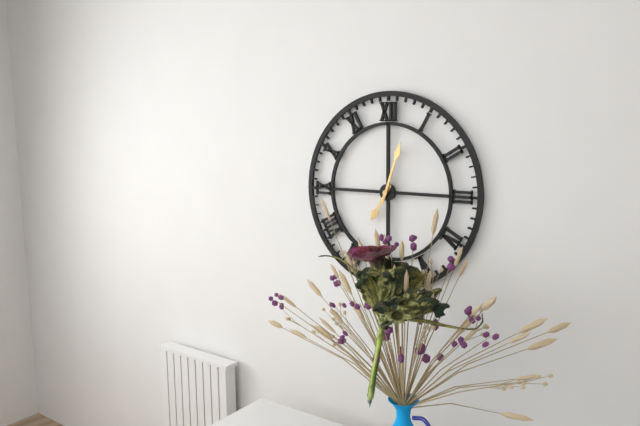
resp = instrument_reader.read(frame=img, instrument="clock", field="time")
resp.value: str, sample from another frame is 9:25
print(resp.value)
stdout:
7:03
